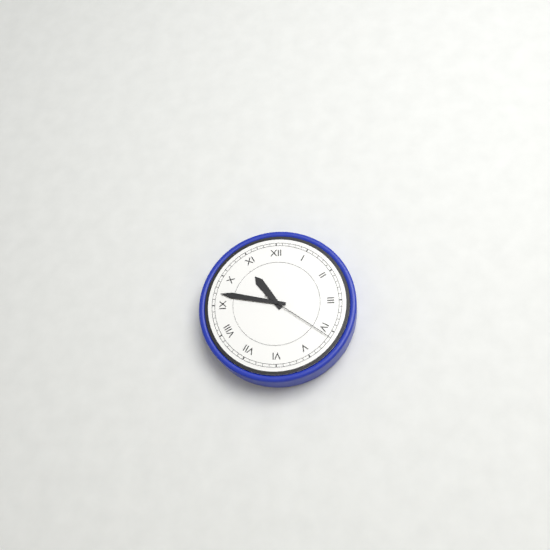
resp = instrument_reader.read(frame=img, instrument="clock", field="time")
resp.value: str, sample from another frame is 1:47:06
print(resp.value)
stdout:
10:47:21
